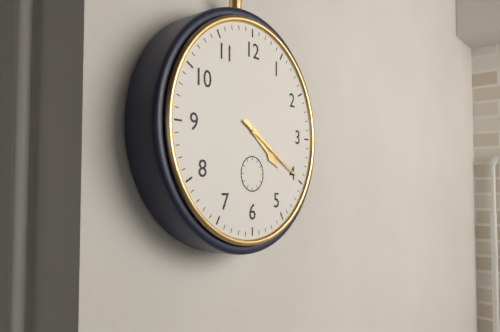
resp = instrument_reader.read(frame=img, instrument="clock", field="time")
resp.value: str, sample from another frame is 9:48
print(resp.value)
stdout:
4:20
